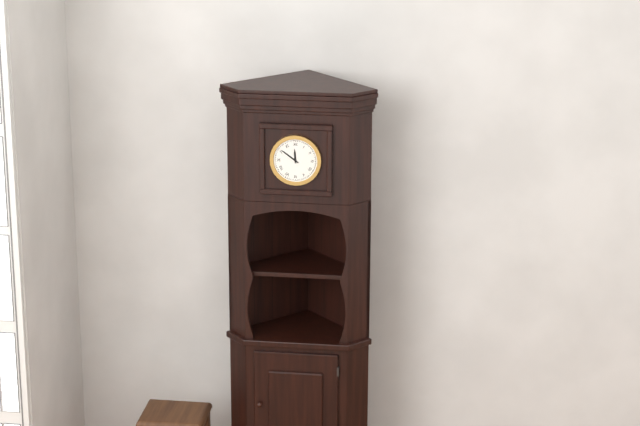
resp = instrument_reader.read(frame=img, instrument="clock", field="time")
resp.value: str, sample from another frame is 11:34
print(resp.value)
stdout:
11:51
